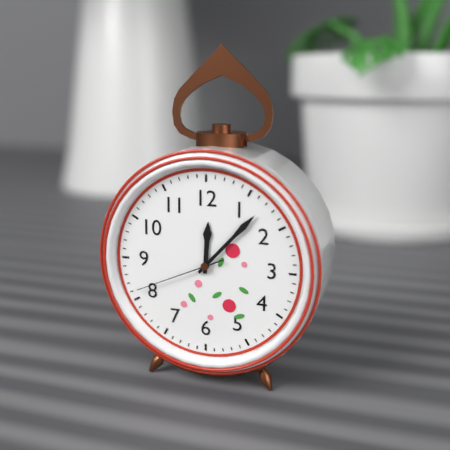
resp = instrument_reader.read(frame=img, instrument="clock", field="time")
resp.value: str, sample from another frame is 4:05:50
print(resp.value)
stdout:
12:07:41
